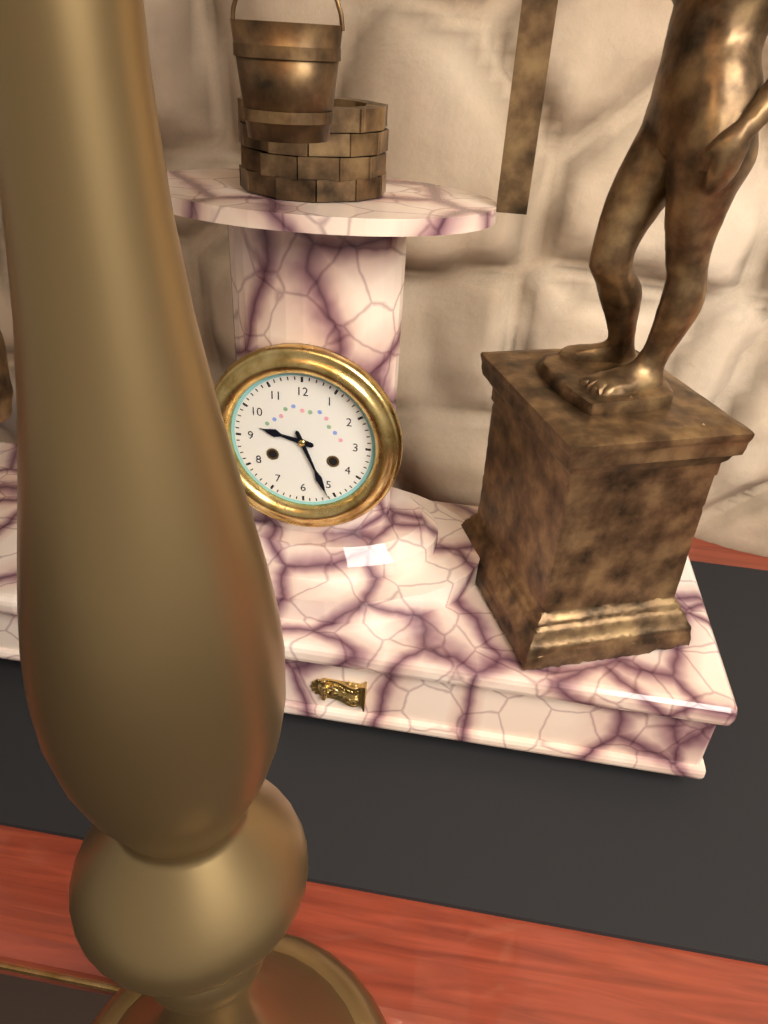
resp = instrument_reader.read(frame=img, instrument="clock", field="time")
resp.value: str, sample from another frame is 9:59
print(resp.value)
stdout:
9:26
